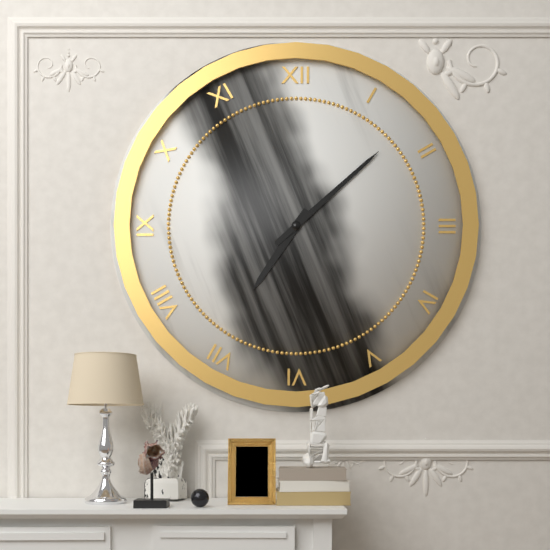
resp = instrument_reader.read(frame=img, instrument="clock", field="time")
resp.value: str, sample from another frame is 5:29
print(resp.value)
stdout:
7:08
